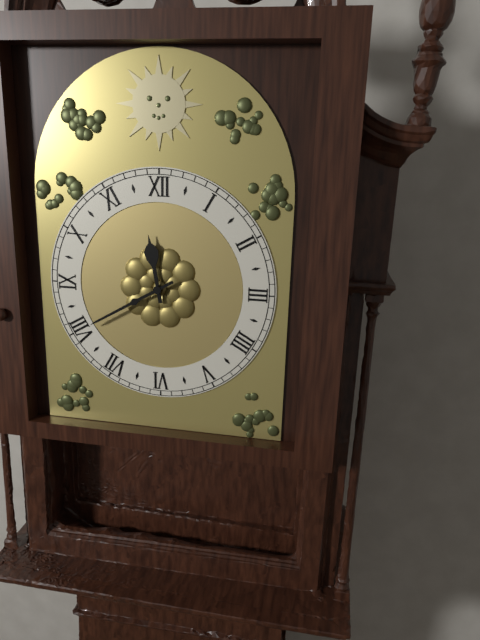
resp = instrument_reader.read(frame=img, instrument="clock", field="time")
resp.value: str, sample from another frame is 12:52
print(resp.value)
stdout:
11:40
